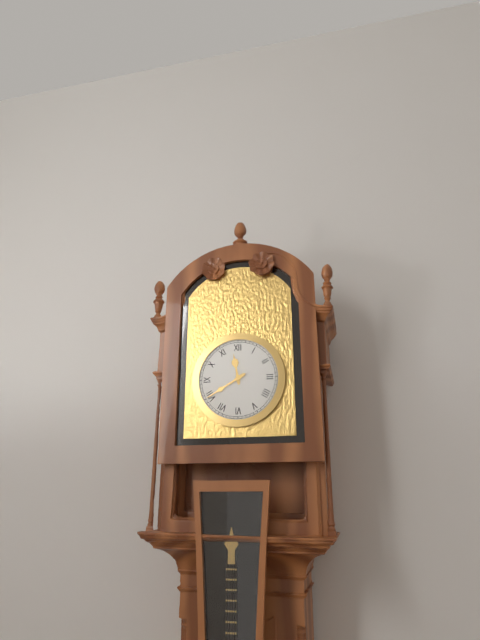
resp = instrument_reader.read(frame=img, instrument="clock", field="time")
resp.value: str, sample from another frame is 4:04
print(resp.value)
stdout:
11:40
